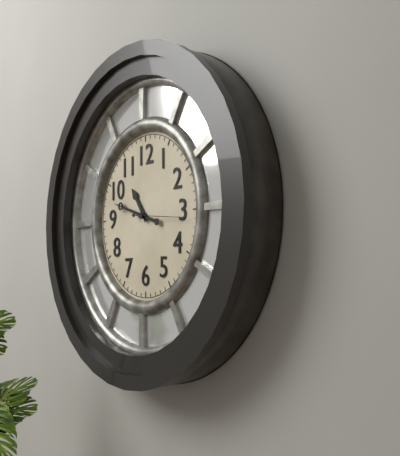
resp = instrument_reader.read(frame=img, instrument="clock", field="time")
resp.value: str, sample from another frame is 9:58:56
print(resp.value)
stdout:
10:48:16
